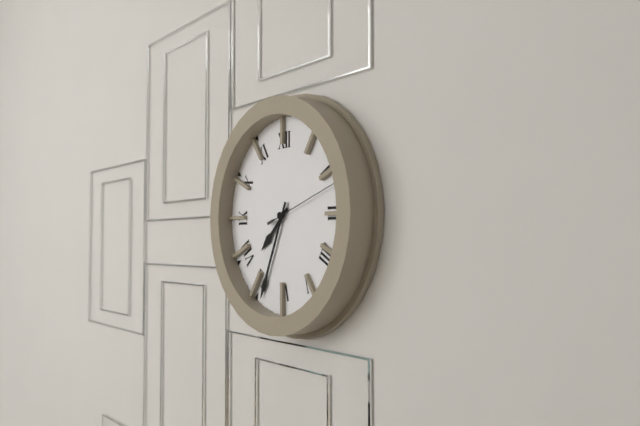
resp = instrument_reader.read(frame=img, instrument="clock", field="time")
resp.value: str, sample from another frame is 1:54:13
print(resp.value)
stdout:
7:34:12
